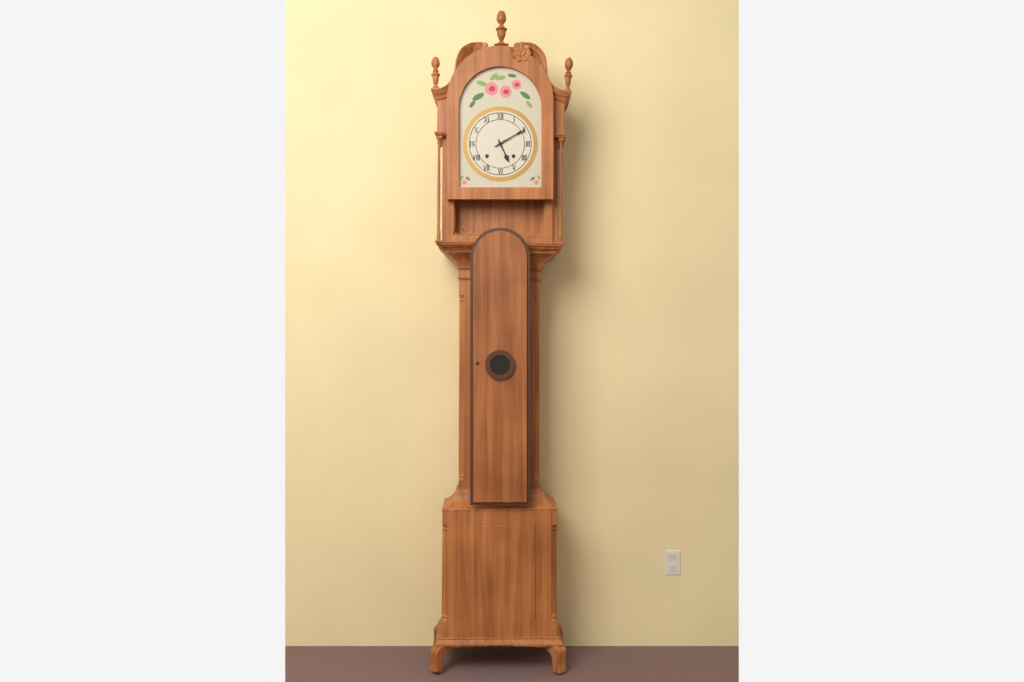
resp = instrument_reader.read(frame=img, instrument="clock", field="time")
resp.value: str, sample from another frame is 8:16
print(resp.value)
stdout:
5:10
